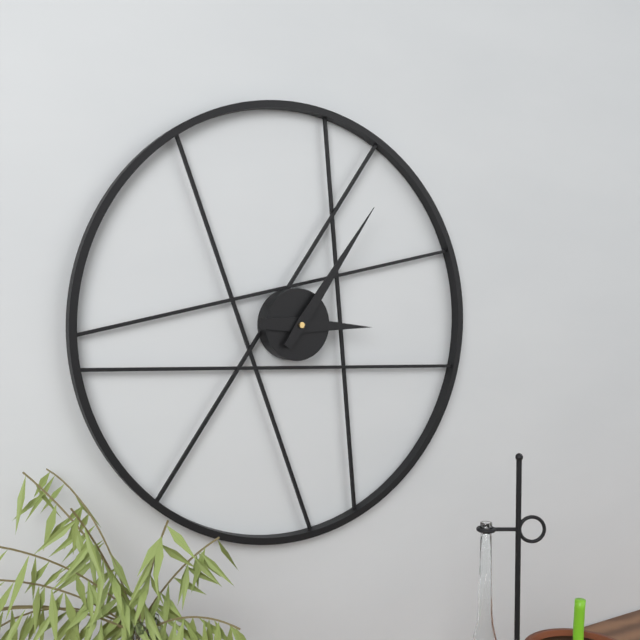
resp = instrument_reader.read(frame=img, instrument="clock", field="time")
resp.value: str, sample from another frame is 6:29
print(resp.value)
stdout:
3:06
